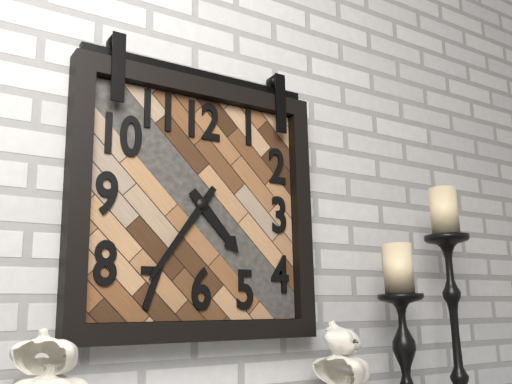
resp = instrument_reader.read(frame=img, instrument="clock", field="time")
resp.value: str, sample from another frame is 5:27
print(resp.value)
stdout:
4:36
